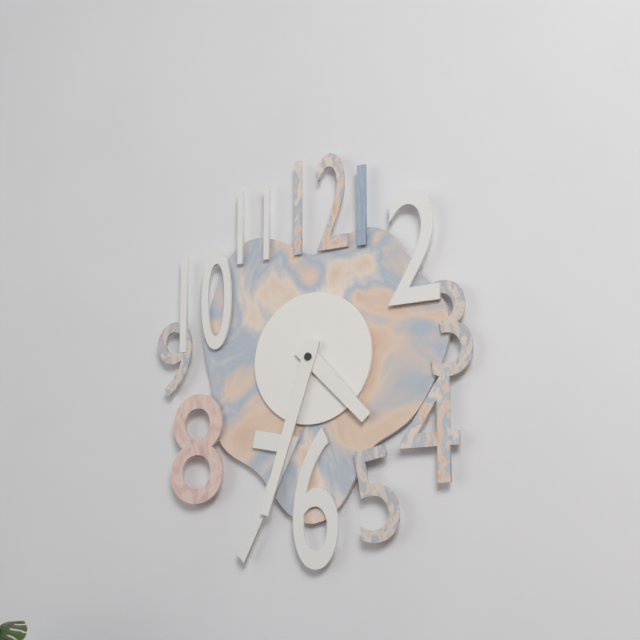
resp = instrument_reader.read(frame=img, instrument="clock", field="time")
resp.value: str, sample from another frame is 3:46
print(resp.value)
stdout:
4:33
